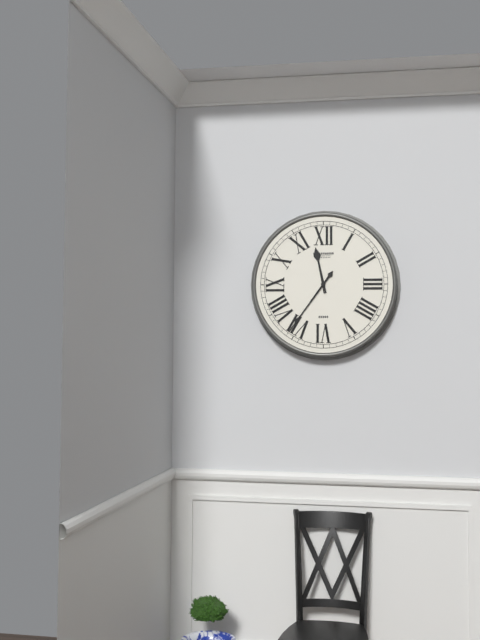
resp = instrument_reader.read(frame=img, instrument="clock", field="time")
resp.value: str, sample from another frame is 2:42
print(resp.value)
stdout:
11:36
